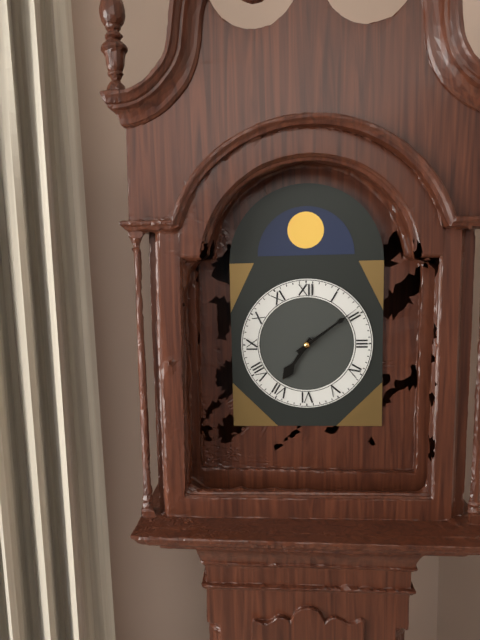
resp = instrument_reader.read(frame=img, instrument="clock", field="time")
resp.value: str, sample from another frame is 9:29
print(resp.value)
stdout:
7:09
